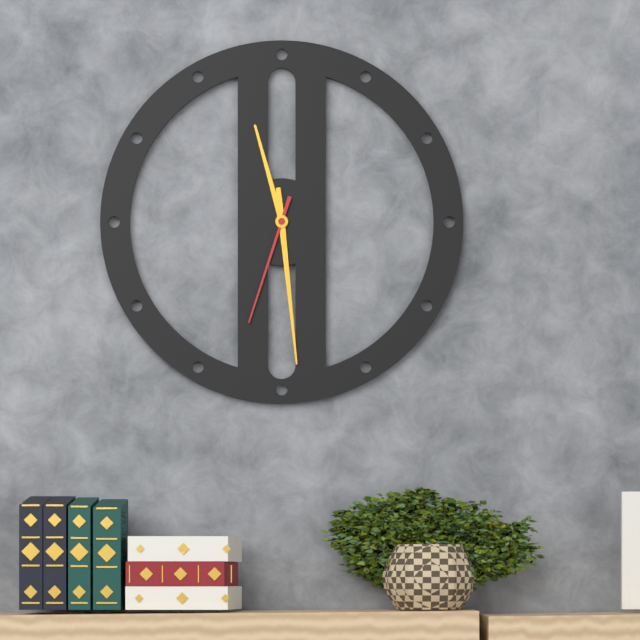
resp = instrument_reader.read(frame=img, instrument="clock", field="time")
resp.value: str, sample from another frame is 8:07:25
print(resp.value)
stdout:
11:29:33
